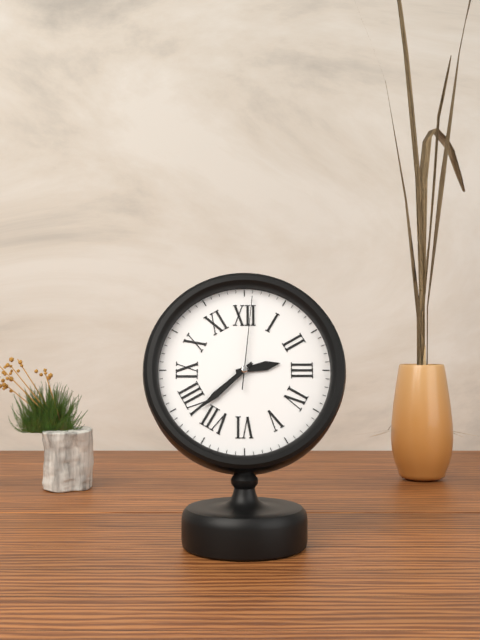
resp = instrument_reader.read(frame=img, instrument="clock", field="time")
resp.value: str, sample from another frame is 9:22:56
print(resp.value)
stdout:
2:38:01
